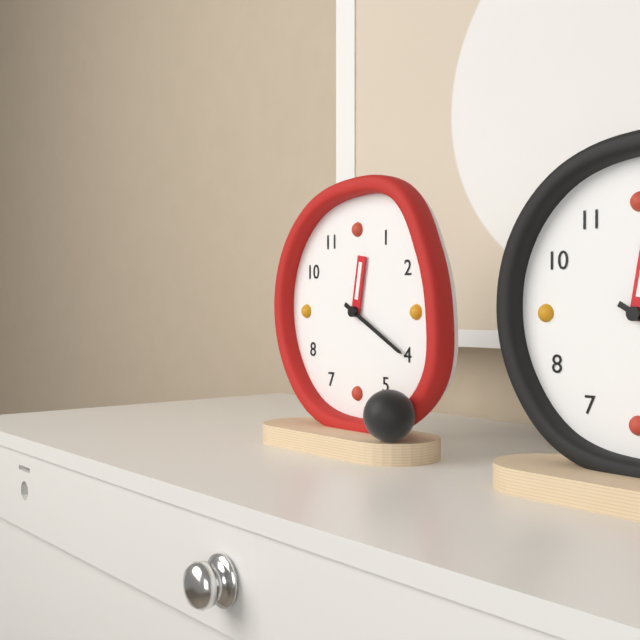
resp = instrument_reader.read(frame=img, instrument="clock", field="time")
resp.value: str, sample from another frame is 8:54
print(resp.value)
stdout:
12:20
